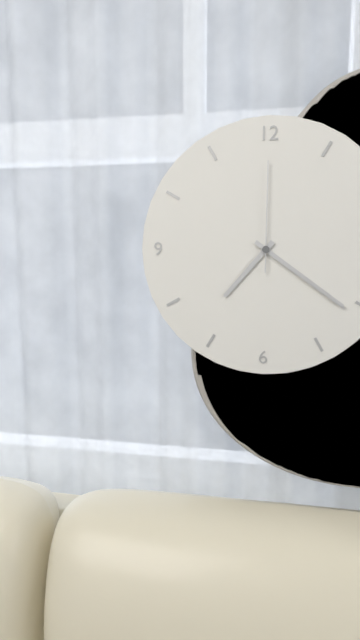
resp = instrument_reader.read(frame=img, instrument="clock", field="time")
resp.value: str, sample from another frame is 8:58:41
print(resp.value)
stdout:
7:21:00
